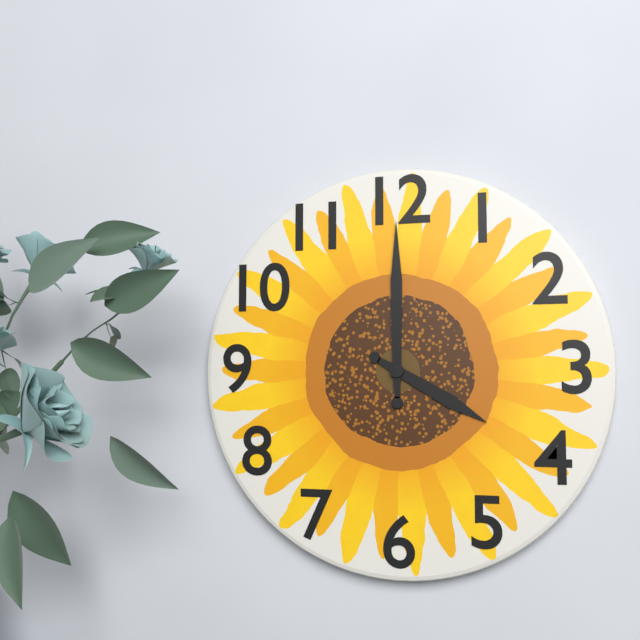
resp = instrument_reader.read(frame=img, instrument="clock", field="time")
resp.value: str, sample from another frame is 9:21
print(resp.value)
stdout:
4:00
